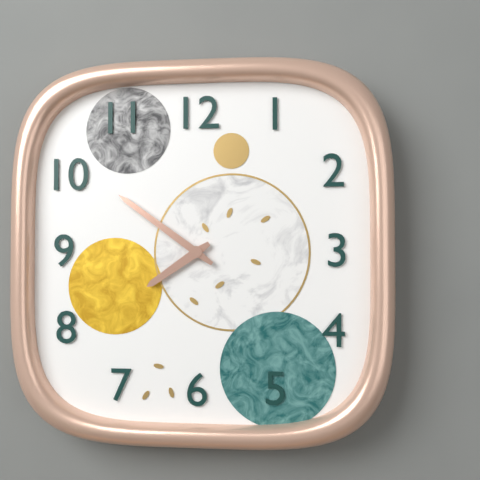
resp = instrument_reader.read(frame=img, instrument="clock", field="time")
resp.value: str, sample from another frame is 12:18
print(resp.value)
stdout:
7:51
